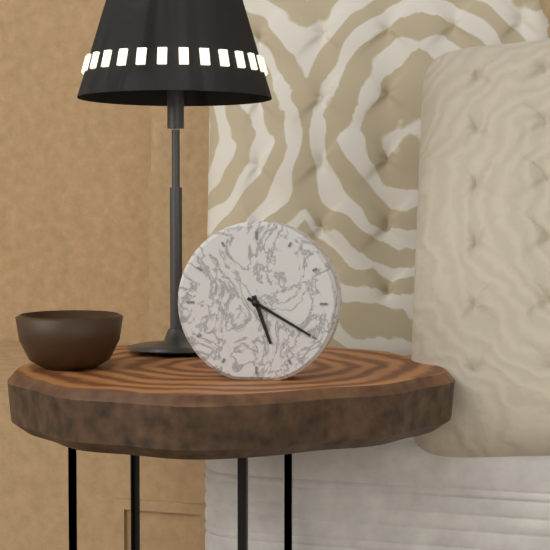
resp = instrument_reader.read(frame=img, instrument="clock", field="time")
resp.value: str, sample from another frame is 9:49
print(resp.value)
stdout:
5:20
